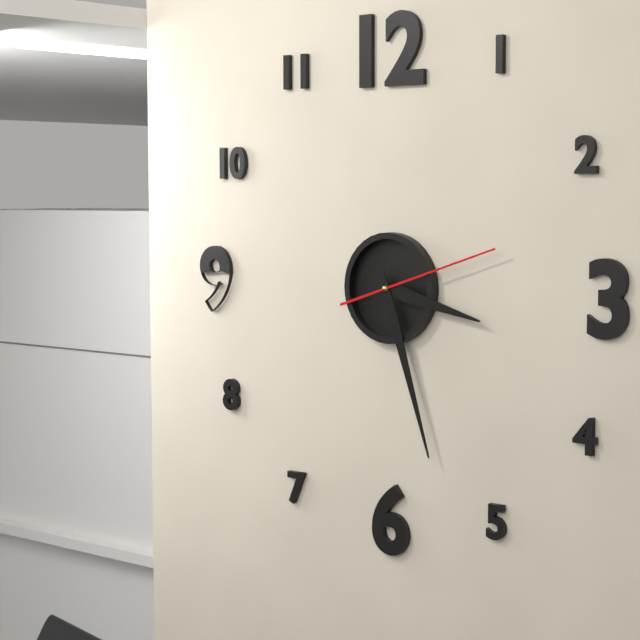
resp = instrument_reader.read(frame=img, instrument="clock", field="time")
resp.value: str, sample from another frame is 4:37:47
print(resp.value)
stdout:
3:27:12
